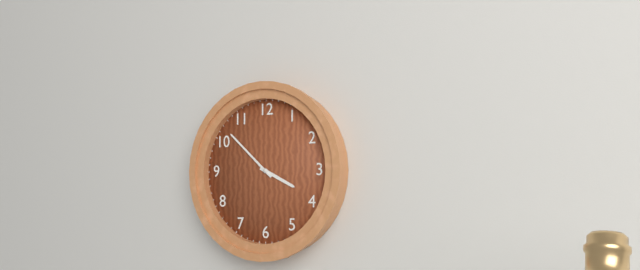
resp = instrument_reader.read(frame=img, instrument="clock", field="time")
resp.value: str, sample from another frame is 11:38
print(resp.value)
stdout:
3:52
